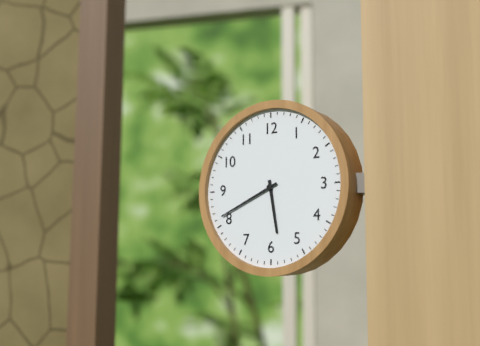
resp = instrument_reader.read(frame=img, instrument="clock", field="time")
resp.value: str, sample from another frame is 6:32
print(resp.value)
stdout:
5:41
